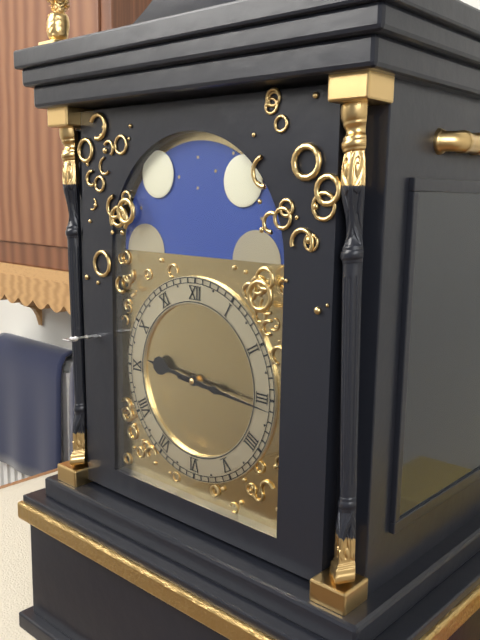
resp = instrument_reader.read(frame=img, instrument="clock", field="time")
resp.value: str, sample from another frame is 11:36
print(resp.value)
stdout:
9:16
